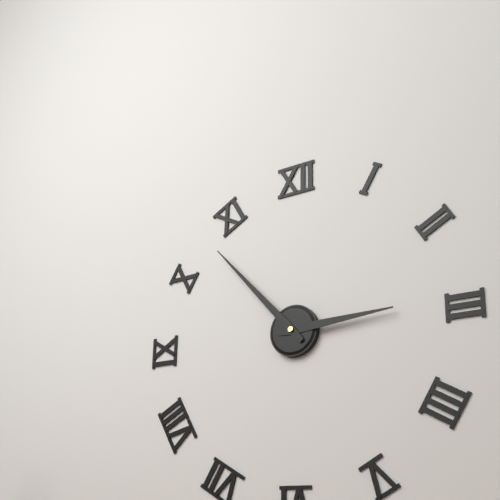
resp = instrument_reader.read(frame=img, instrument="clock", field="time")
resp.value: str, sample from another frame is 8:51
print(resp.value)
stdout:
2:53
